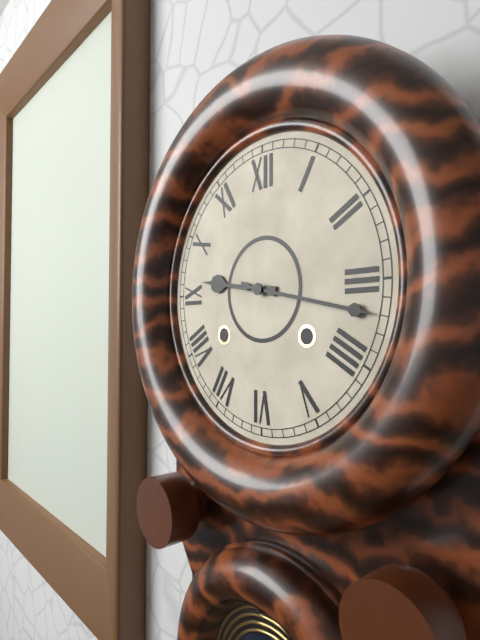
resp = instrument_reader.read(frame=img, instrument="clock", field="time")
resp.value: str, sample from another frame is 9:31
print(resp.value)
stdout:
9:17
